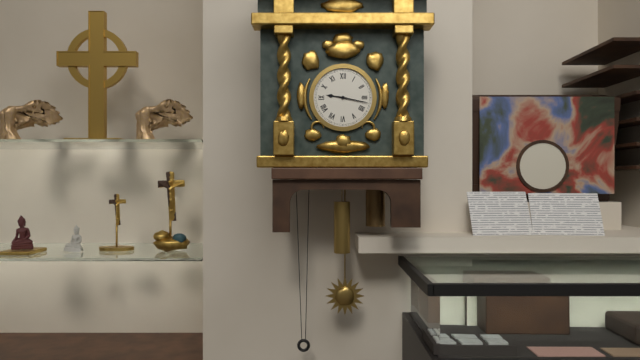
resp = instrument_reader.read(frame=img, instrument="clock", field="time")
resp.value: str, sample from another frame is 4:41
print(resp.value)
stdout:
9:17
